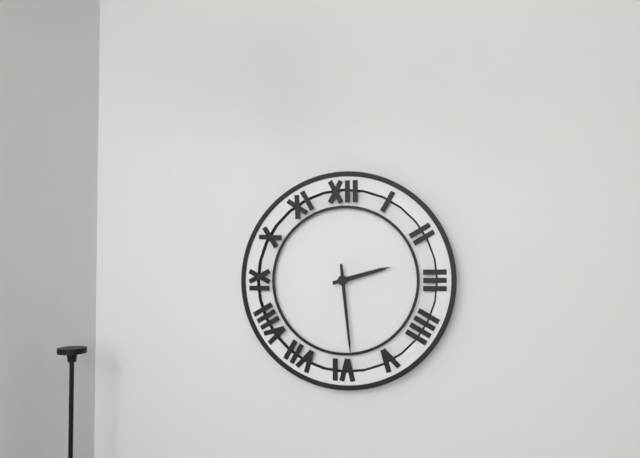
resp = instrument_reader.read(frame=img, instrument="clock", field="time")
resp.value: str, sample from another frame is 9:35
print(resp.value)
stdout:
2:29
